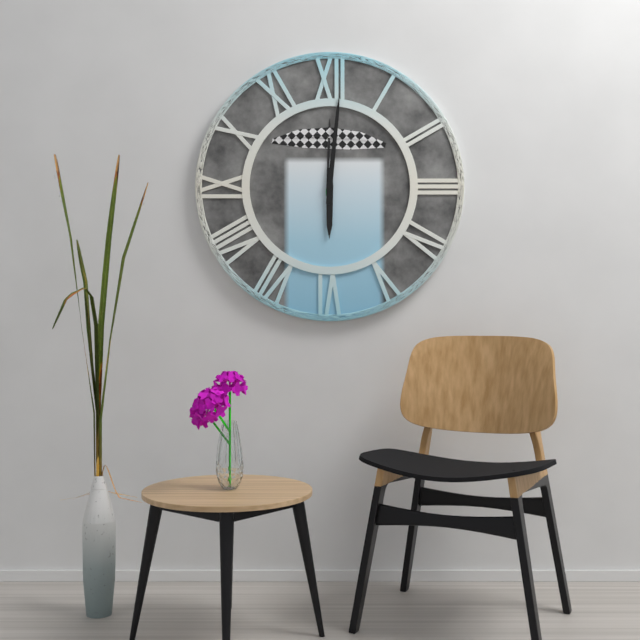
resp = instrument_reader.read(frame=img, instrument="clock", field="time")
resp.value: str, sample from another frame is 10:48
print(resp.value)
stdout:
6:01
